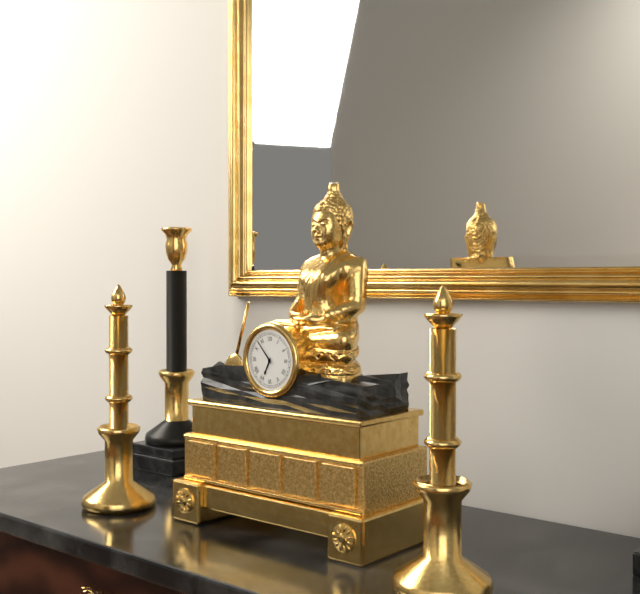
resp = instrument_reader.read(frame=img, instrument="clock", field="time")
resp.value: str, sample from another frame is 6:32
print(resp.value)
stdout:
6:53
